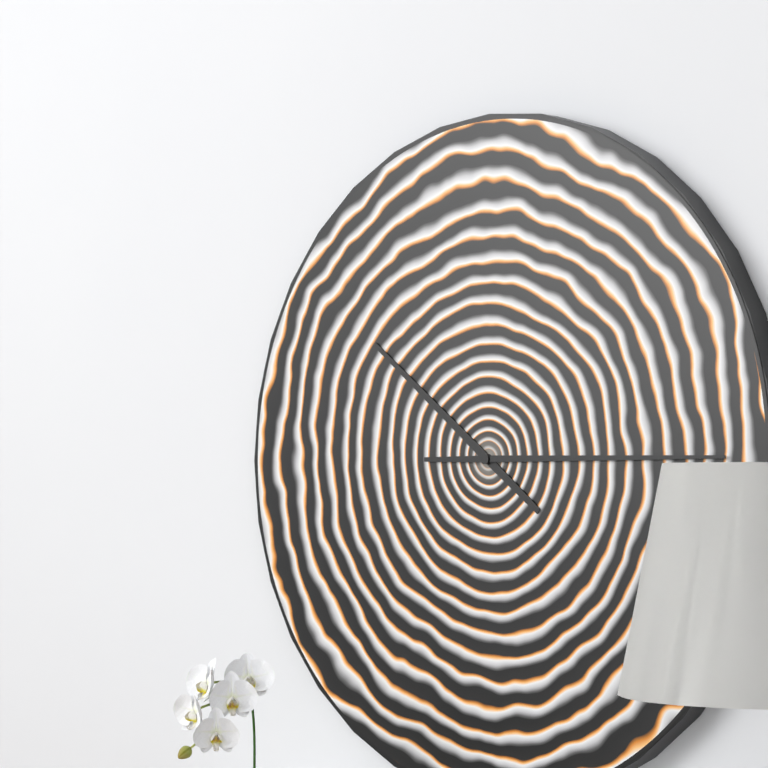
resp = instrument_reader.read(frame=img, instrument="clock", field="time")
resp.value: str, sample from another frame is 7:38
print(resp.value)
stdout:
10:15
